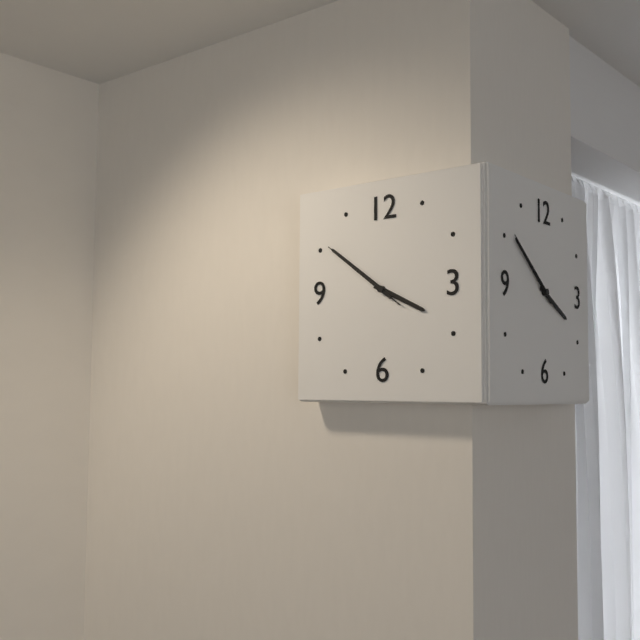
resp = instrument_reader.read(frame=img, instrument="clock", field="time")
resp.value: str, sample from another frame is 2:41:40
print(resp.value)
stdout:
3:51:51
